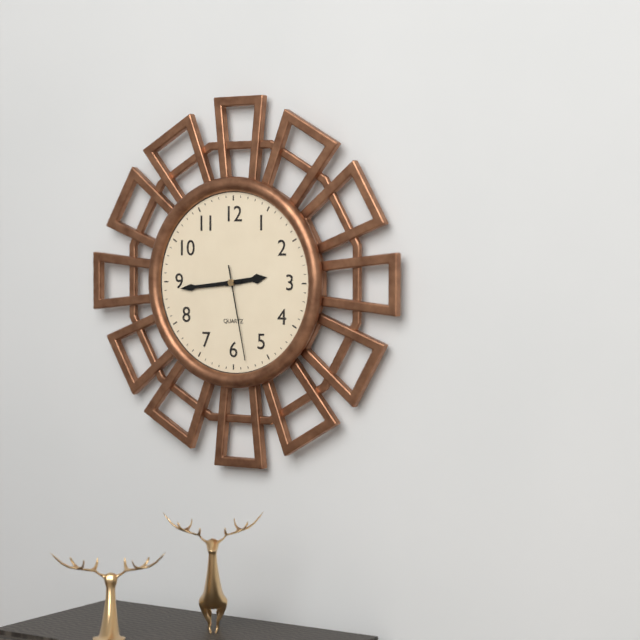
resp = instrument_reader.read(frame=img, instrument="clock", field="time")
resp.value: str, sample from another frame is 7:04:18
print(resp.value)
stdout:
2:44:28
